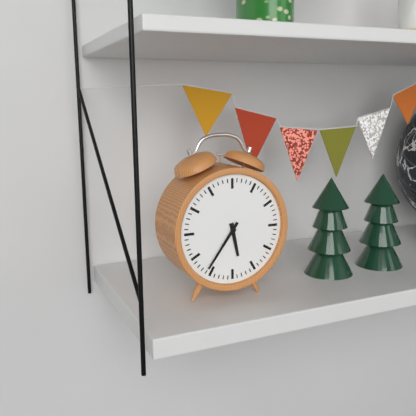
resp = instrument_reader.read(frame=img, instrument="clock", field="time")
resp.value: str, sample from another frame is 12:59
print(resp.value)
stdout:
5:36
